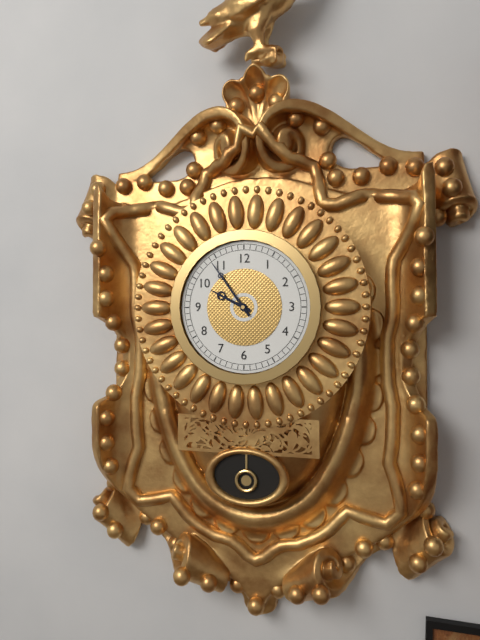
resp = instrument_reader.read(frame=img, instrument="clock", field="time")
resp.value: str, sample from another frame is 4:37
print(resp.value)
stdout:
9:54
